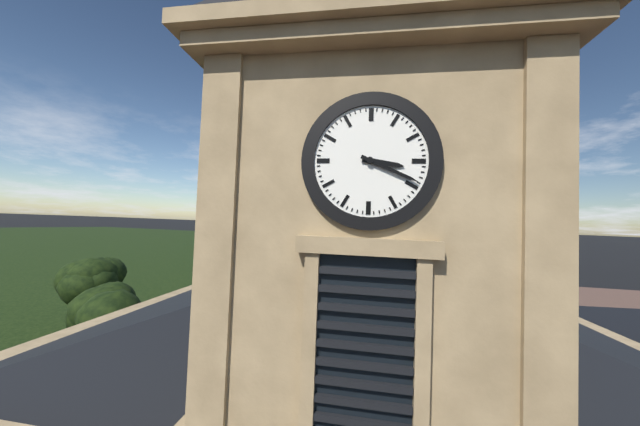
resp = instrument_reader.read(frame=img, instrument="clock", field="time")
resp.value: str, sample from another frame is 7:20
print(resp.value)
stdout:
3:19
